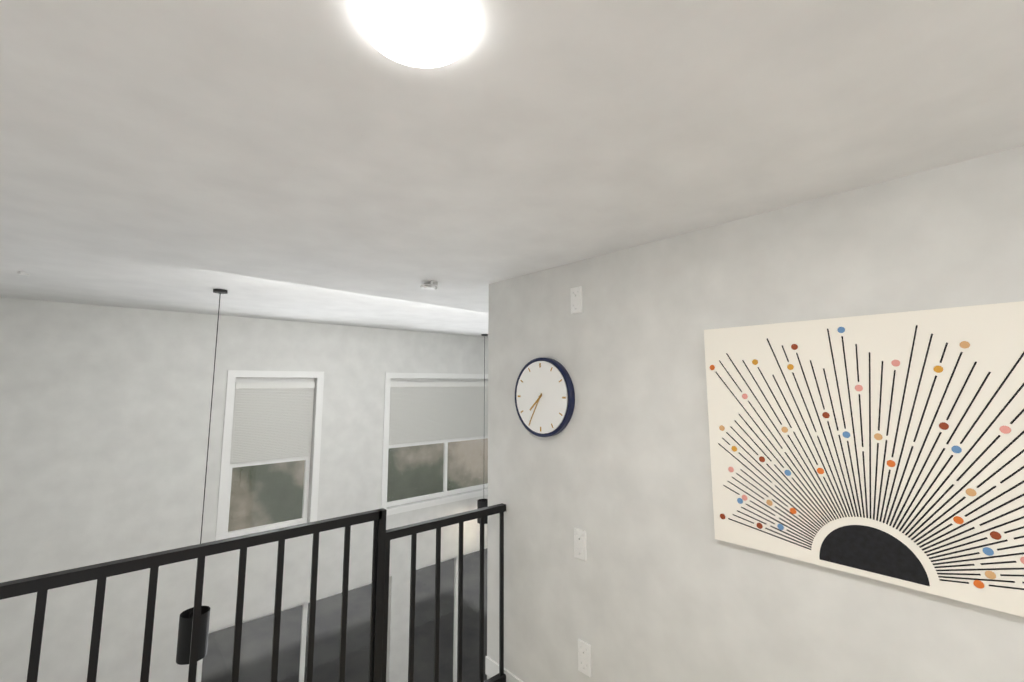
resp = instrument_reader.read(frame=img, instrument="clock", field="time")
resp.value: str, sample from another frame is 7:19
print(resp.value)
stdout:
7:35
